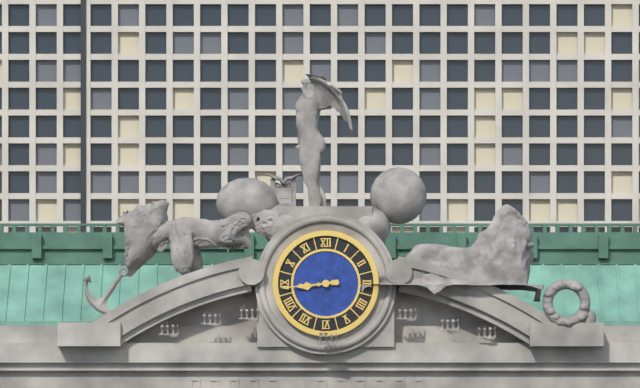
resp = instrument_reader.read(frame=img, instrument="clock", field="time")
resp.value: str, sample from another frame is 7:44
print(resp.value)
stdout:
8:44
